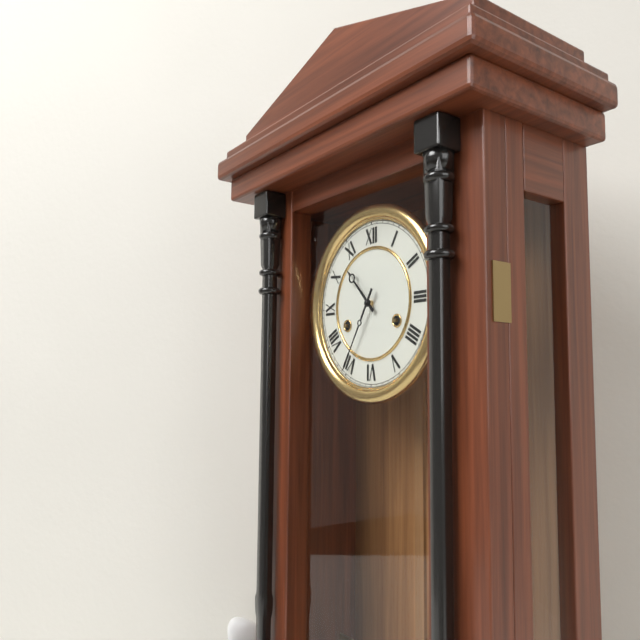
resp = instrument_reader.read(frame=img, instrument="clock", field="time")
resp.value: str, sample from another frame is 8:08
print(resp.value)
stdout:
10:35
